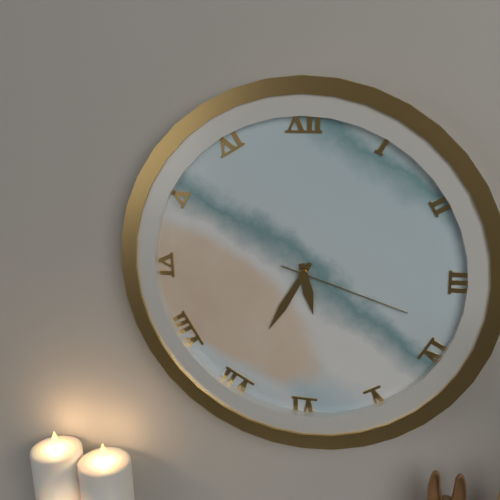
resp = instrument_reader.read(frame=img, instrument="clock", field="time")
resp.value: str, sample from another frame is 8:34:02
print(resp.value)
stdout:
5:35:18
